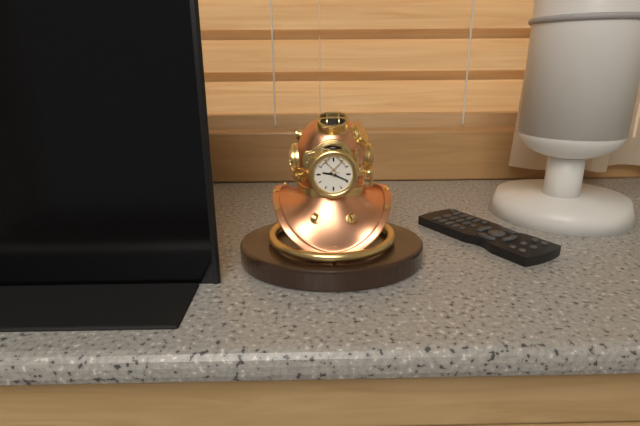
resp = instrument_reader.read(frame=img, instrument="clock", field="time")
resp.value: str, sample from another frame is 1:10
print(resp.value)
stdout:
9:19
